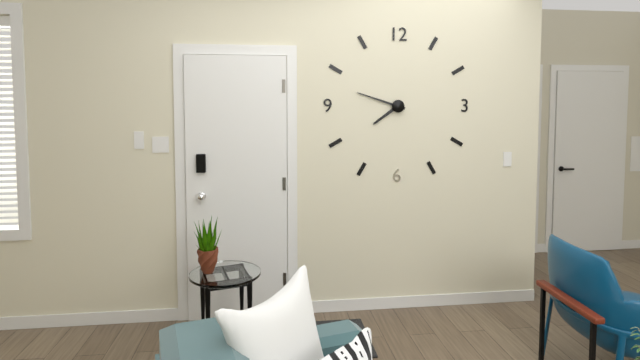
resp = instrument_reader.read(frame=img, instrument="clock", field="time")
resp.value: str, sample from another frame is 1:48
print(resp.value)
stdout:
7:48
